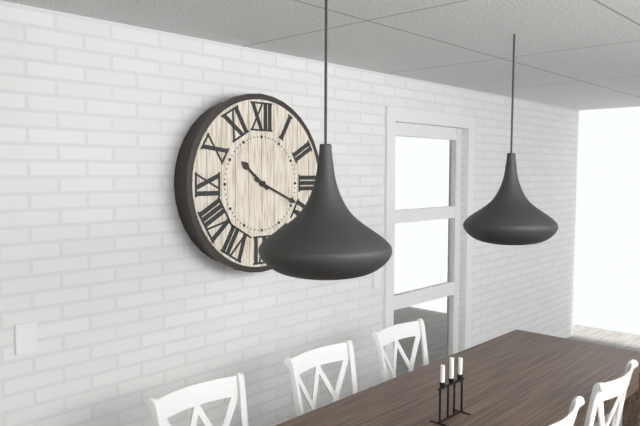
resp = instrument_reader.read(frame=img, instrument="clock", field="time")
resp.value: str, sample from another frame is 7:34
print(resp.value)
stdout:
10:19
